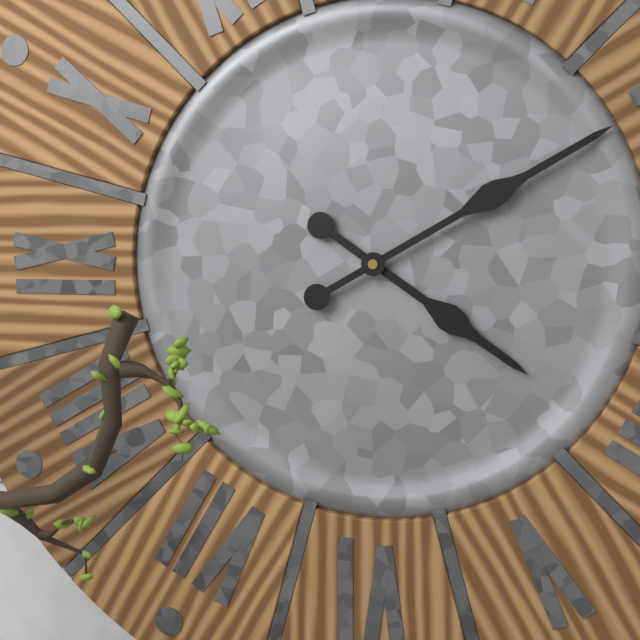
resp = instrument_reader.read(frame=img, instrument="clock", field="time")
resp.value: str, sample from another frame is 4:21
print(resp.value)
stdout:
4:10
